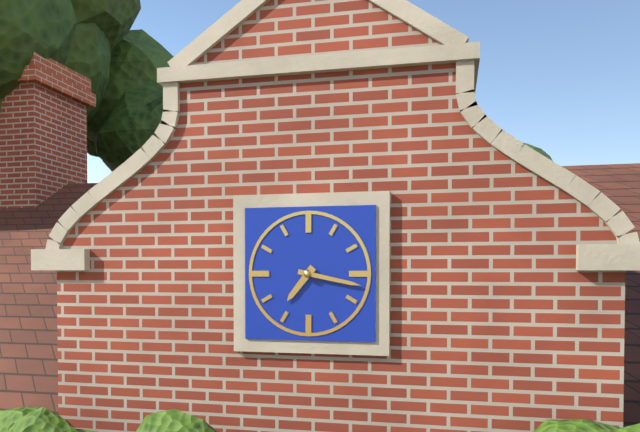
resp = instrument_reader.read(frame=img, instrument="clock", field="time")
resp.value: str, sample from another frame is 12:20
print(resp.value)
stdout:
7:17
